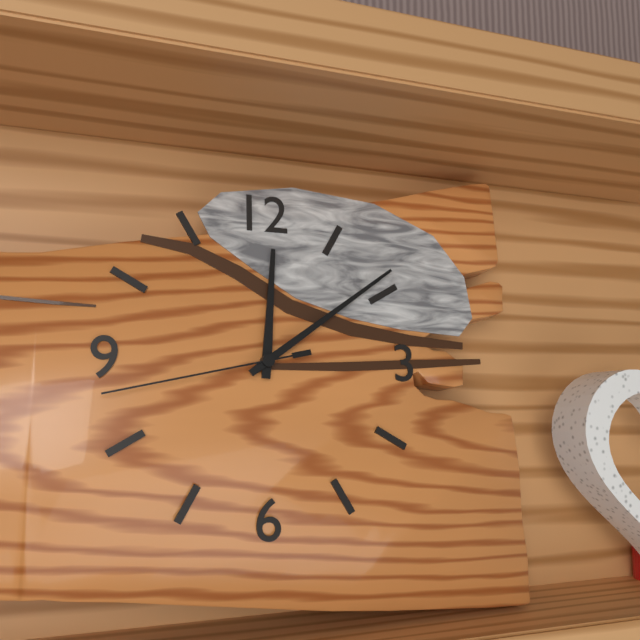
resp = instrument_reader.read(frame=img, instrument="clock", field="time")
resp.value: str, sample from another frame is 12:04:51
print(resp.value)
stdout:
12:09:43
